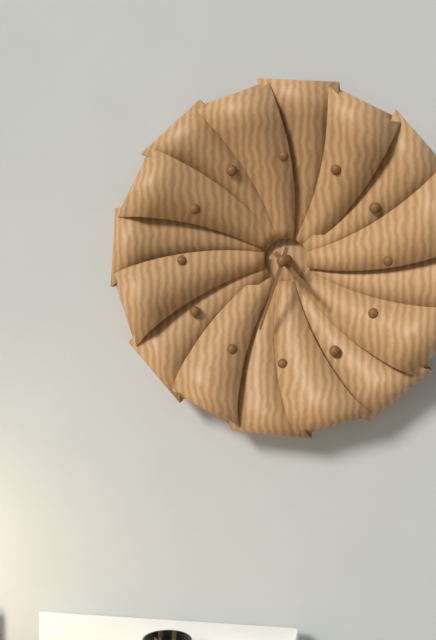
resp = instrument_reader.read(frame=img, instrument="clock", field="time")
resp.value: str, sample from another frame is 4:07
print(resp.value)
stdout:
4:33
